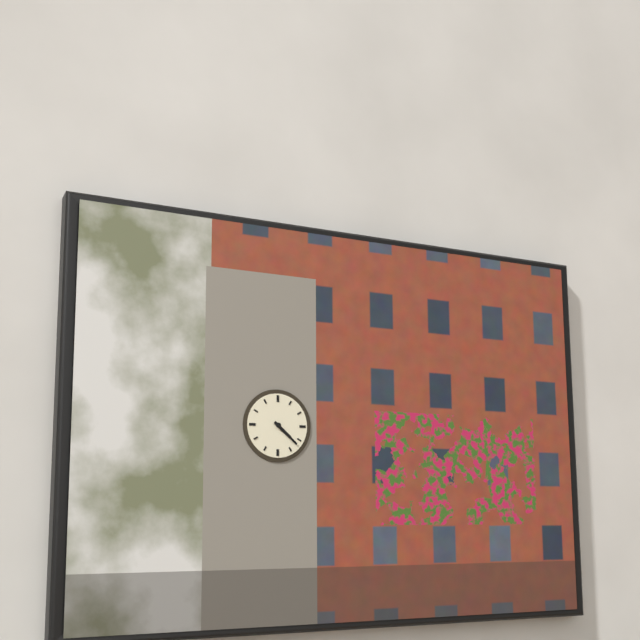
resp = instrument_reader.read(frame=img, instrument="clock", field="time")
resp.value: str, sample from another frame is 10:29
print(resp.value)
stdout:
4:22
